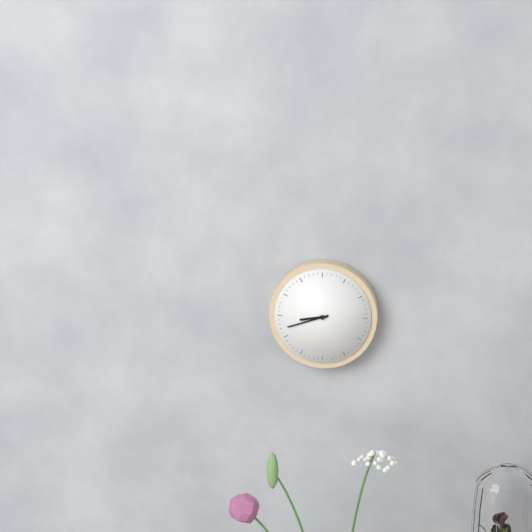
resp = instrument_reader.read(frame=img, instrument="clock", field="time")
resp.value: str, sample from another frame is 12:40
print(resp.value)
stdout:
8:42
